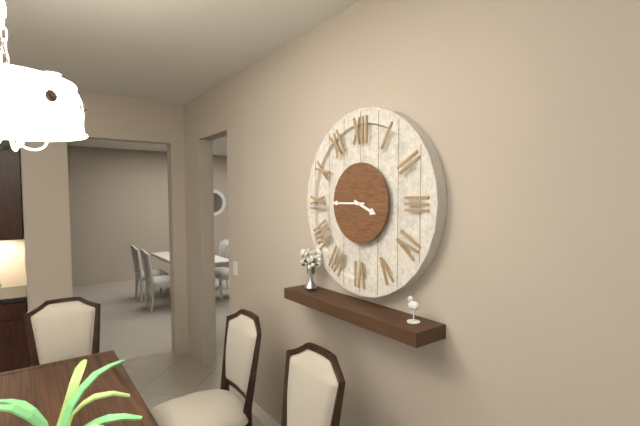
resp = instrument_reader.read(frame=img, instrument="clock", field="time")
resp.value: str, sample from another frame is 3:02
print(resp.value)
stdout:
3:45
